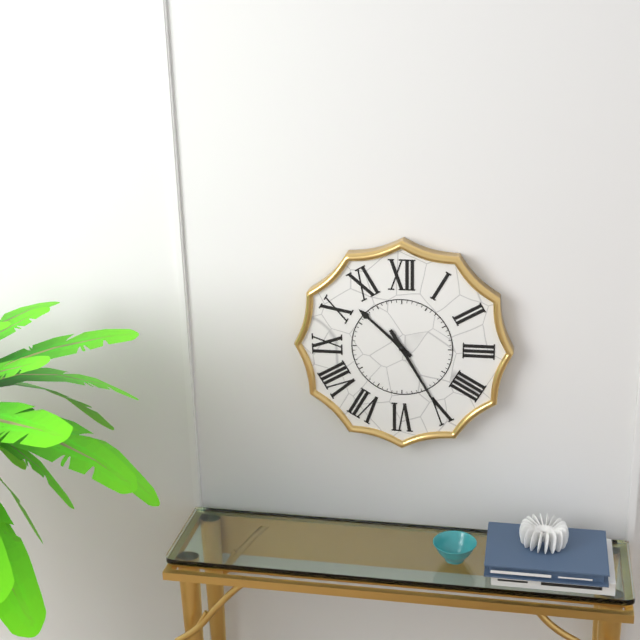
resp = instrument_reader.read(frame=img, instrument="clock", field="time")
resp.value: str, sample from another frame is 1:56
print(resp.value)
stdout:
10:25
